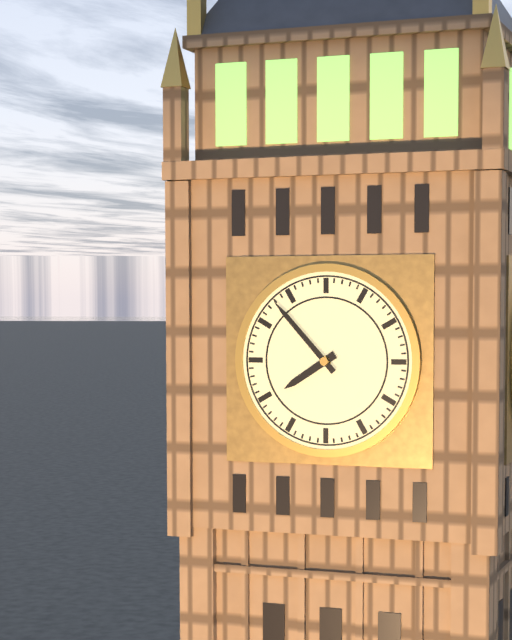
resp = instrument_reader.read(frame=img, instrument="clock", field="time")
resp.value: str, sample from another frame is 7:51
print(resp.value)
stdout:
7:53
